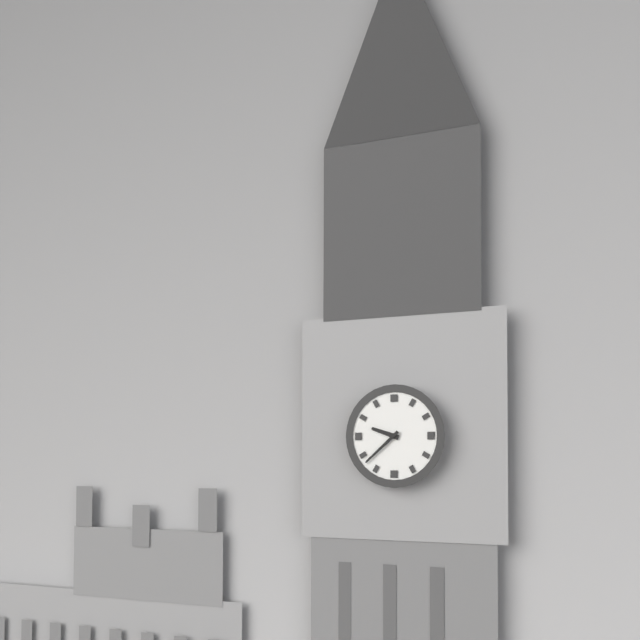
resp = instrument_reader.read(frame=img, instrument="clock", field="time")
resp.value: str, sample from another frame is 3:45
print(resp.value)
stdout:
9:38
